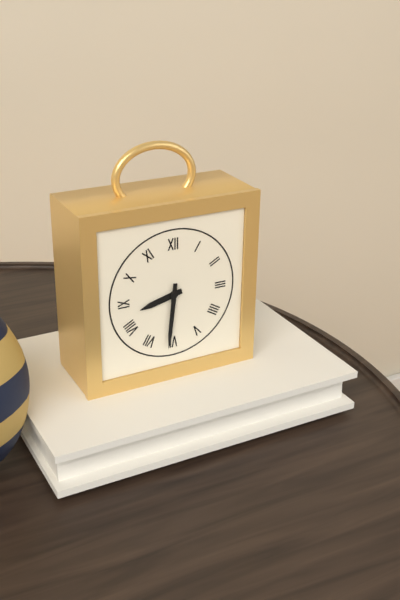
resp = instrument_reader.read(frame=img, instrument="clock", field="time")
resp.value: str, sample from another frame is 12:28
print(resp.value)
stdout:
8:31
